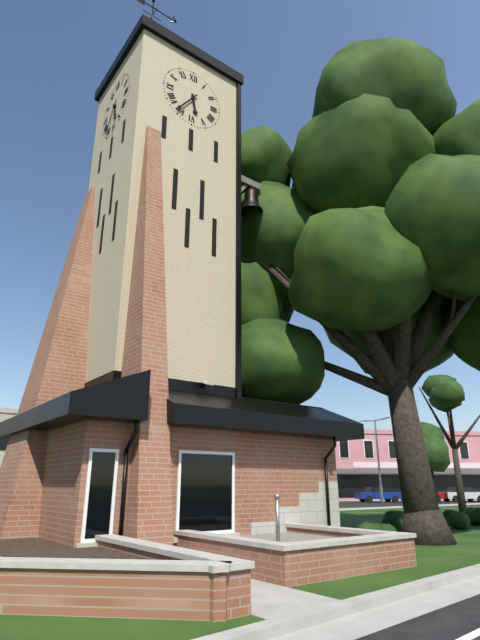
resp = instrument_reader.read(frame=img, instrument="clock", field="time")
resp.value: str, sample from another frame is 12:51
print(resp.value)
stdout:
5:36
